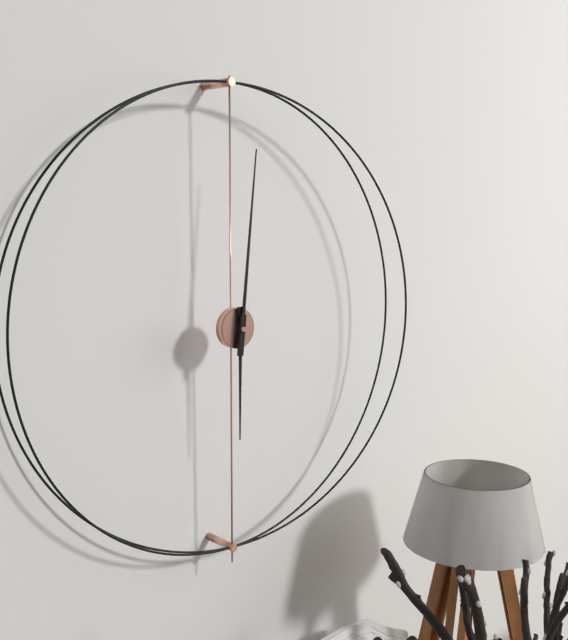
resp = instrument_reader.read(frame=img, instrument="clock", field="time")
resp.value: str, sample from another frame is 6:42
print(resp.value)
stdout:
6:01
